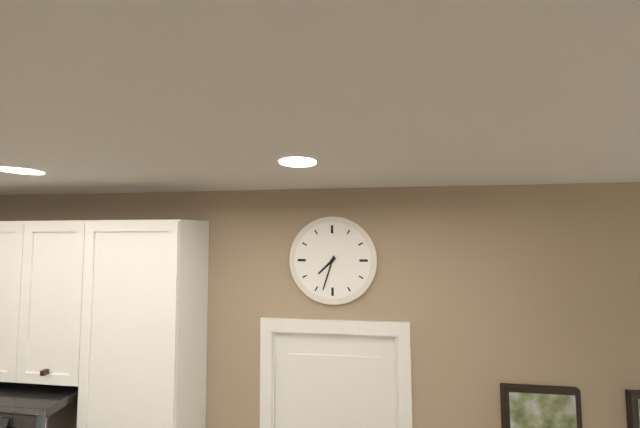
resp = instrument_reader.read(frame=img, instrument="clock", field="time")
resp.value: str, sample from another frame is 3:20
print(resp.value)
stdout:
7:33
